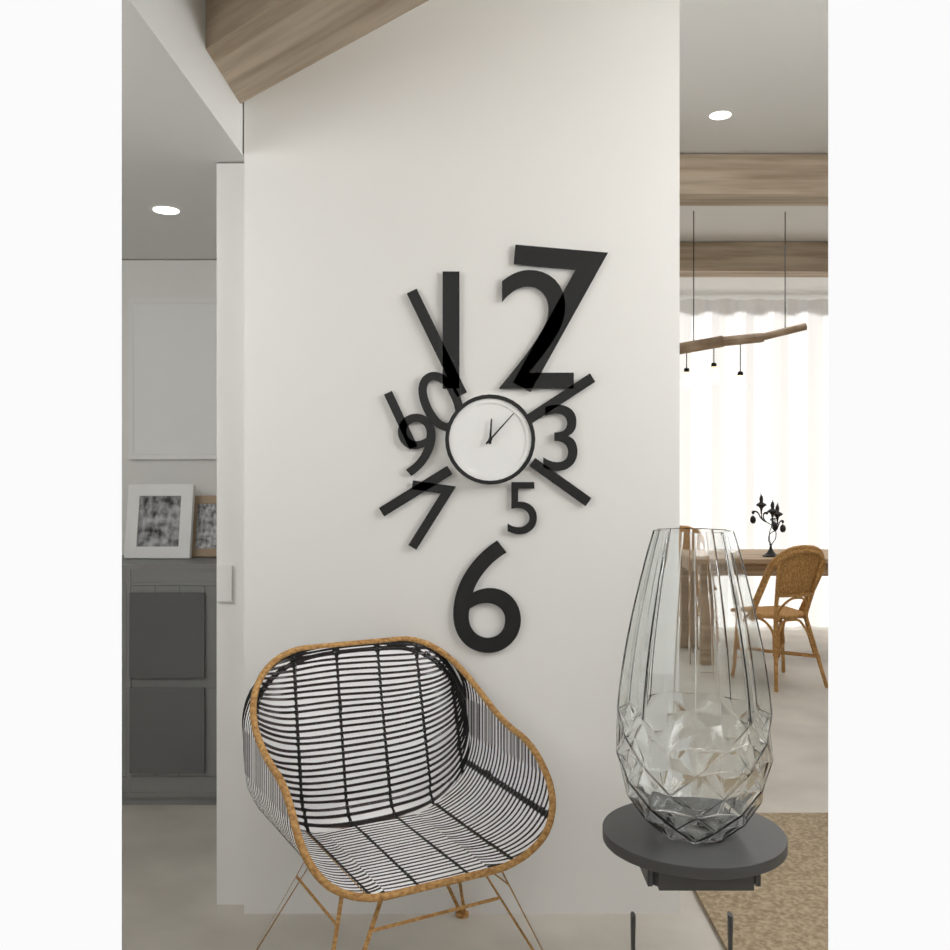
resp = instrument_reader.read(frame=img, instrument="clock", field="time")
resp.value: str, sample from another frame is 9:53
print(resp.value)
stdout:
12:07
